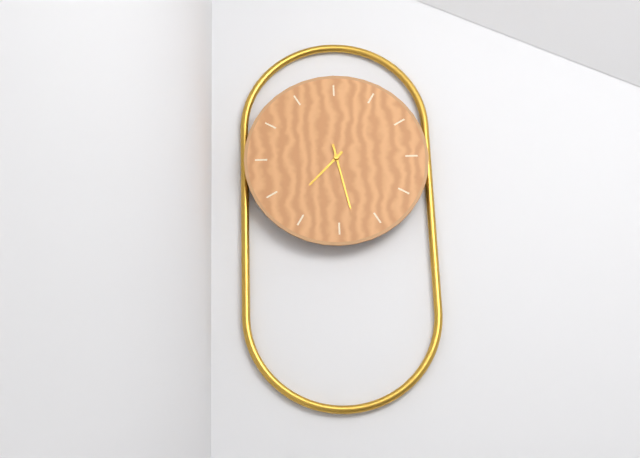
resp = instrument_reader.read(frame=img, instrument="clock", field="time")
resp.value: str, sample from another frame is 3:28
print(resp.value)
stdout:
7:28
